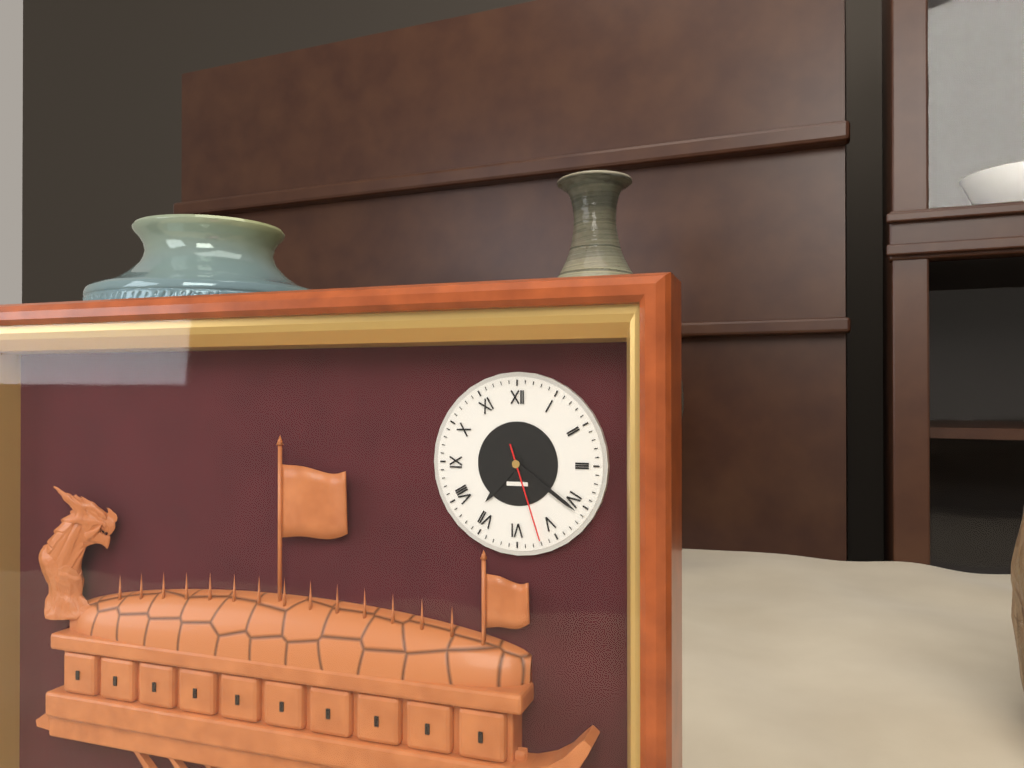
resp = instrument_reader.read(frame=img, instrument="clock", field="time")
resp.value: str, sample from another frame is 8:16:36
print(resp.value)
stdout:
7:21:27
